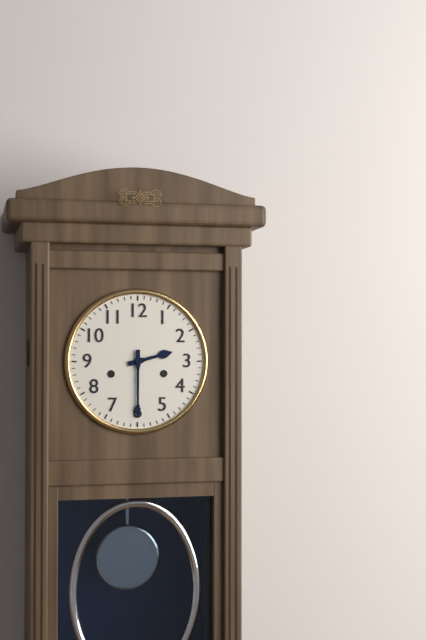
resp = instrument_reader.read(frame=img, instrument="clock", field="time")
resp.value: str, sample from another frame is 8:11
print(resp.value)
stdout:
2:30
